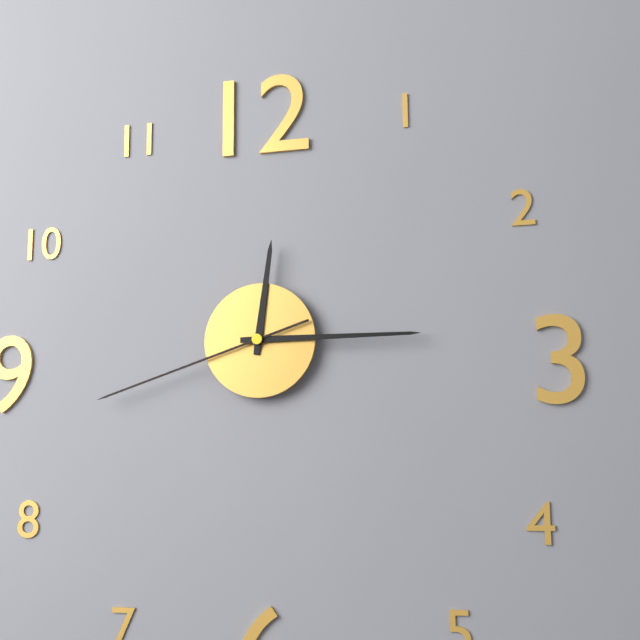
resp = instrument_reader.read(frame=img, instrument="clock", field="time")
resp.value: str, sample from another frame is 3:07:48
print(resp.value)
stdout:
12:15:42
